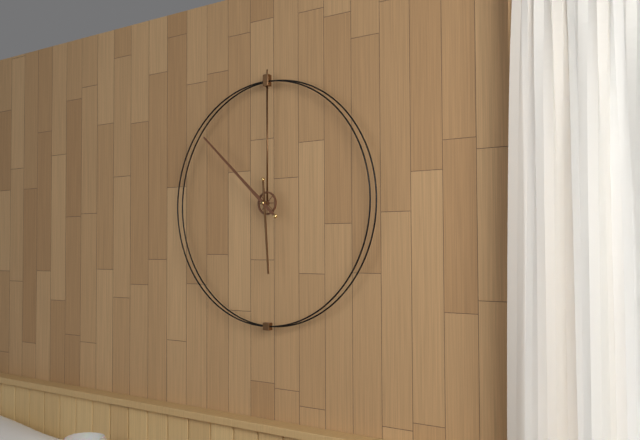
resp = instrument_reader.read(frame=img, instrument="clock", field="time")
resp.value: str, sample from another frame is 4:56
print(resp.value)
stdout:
5:52
